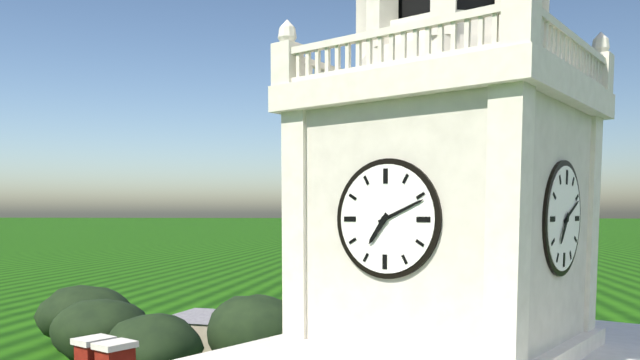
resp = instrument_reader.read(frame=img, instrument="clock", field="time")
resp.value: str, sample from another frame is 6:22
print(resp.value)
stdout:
7:11
